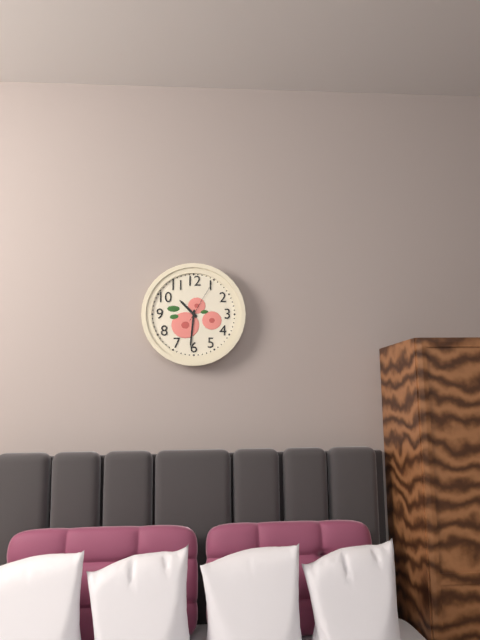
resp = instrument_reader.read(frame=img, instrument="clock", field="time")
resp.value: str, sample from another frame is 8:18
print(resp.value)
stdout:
10:31
